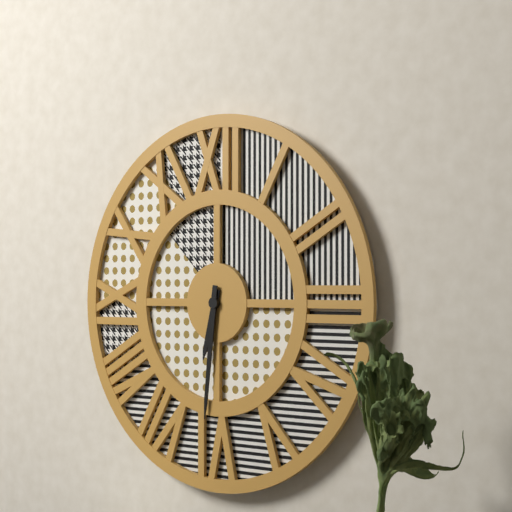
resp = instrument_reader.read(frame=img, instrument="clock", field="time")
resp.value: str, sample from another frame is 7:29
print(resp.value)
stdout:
6:31
